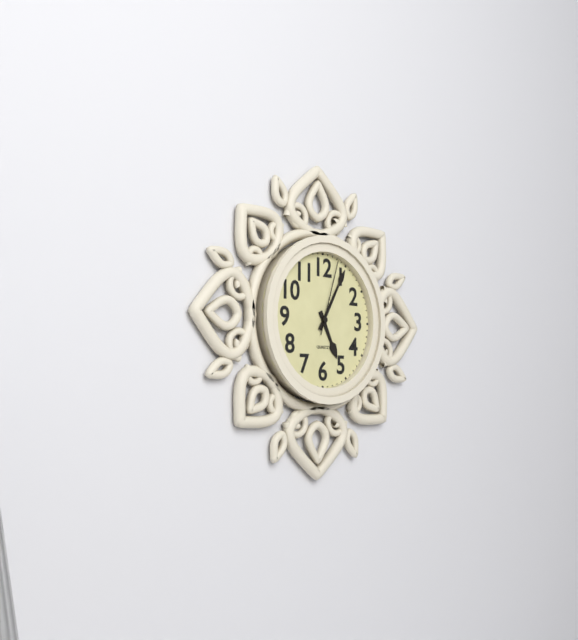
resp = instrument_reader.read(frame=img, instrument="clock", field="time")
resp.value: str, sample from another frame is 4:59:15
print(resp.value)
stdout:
5:05:03
